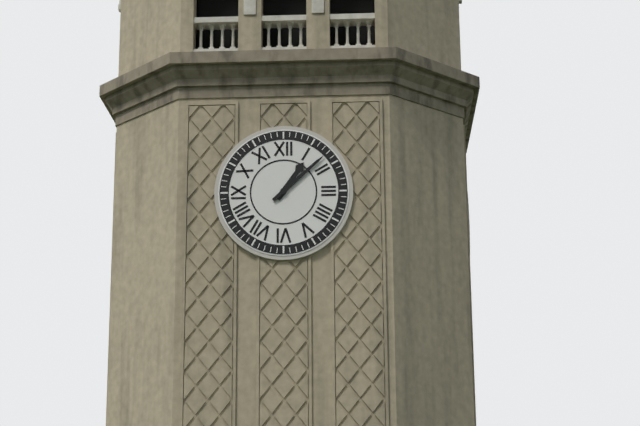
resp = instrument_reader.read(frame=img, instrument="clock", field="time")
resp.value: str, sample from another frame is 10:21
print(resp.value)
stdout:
1:08
